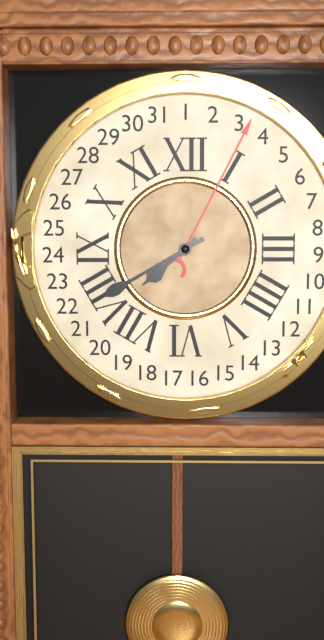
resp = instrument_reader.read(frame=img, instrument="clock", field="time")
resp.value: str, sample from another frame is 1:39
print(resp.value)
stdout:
7:40
